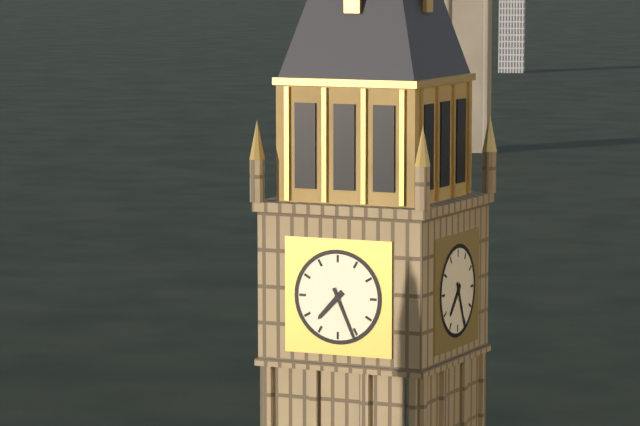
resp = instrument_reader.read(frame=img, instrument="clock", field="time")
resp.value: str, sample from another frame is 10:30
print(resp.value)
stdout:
7:26
